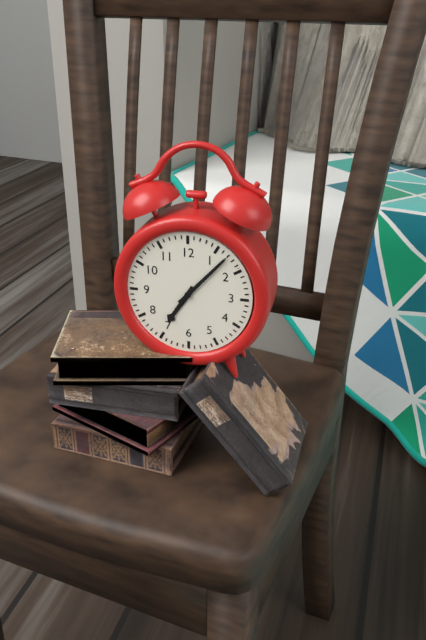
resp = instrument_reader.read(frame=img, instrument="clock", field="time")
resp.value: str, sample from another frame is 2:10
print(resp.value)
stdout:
7:07
